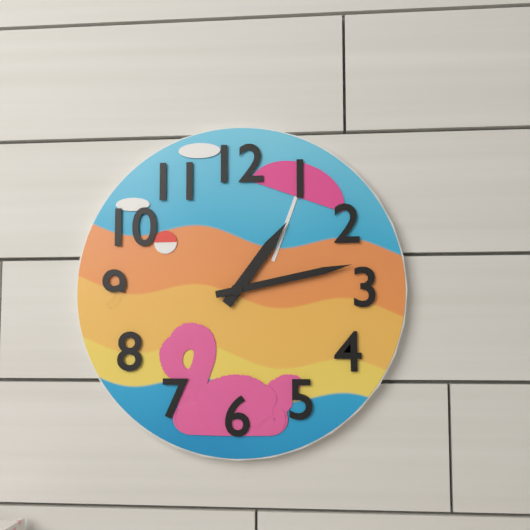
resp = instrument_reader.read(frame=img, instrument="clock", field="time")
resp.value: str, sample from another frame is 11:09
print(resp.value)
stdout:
1:13
